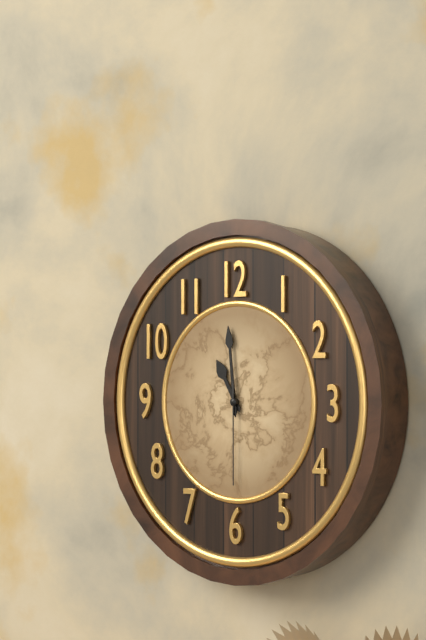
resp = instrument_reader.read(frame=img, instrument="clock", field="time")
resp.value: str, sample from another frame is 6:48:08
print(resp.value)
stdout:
10:59:30
